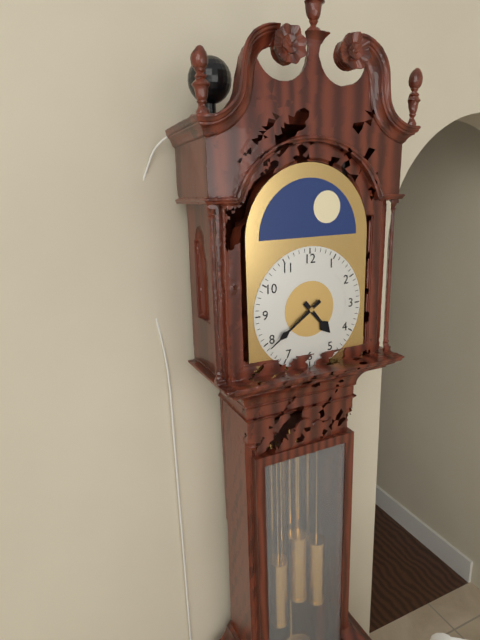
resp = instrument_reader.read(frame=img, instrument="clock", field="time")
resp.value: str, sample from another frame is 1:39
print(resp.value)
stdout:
4:39
